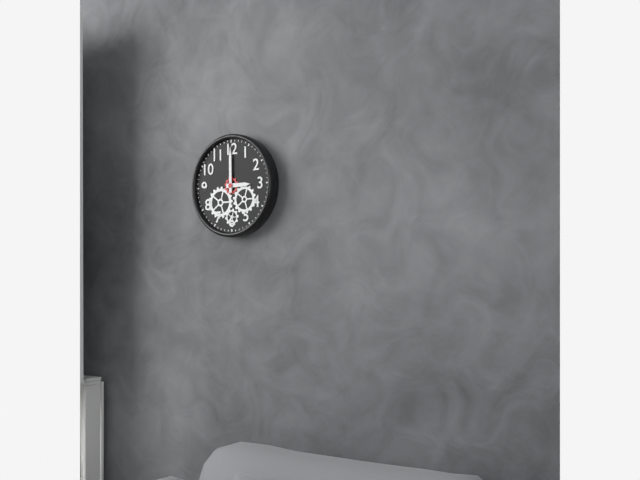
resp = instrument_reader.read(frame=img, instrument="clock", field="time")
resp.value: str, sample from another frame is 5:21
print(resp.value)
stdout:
3:00
